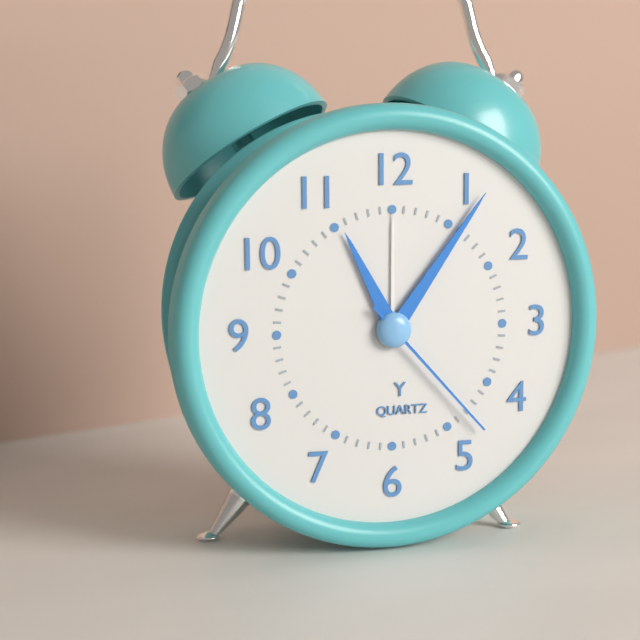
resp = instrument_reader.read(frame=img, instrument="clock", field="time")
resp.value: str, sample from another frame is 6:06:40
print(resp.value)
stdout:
11:06:23
